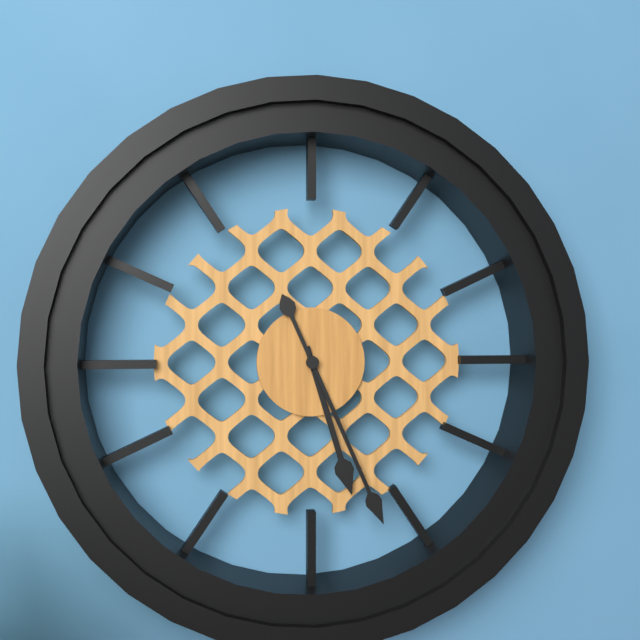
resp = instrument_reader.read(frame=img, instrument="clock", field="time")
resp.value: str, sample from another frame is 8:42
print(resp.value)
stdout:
5:26
